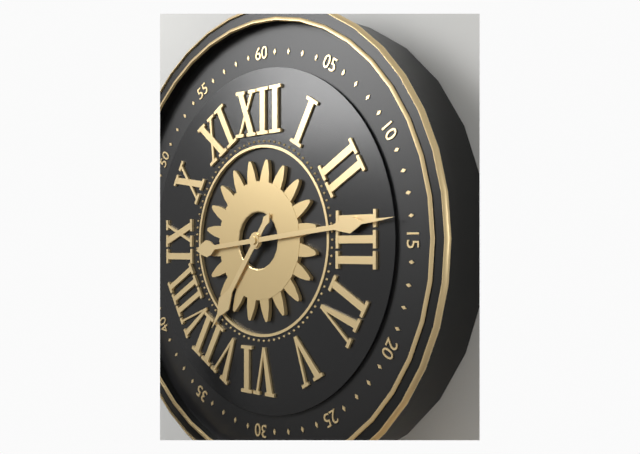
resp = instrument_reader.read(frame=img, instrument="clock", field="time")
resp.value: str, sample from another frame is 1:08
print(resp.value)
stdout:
7:14
